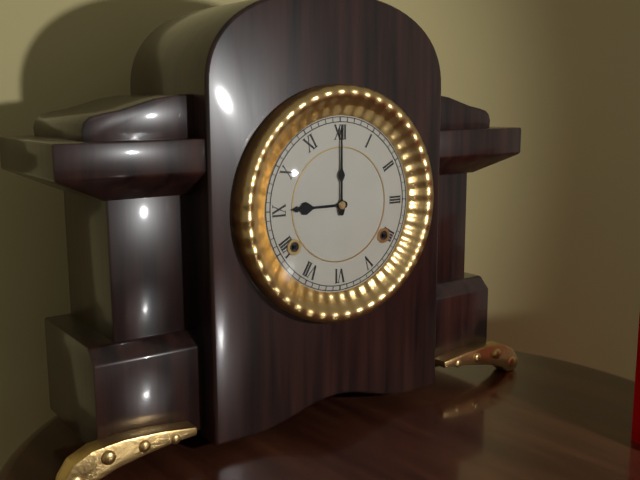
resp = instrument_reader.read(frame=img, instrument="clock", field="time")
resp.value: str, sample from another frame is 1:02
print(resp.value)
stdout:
9:00
